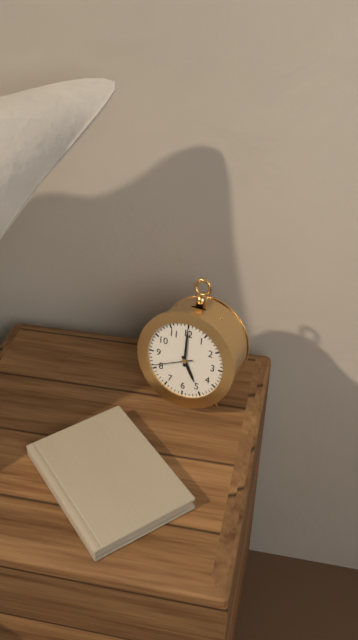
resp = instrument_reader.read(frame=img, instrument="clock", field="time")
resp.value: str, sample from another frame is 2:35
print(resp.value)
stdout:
5:00
